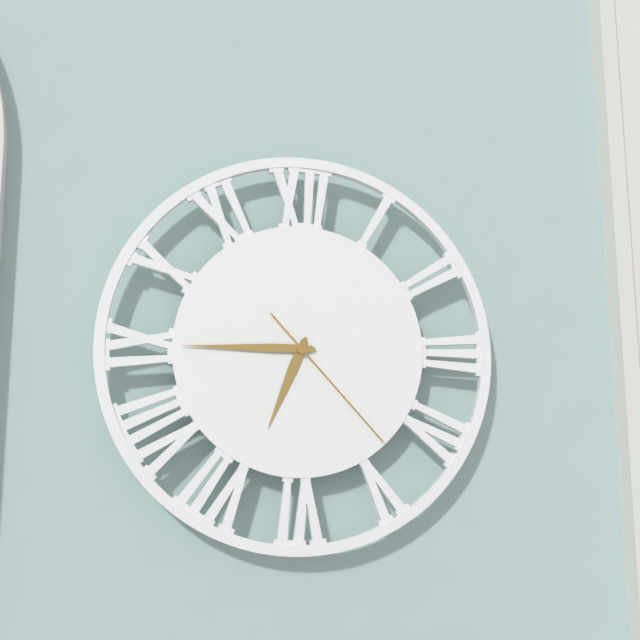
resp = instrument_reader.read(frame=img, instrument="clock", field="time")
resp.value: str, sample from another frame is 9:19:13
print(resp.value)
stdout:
6:45:23
